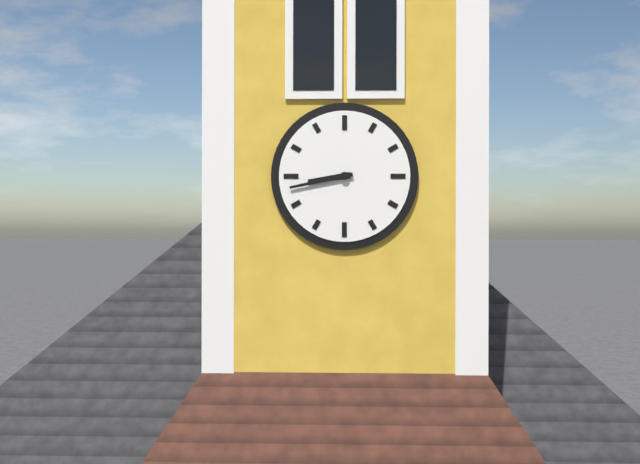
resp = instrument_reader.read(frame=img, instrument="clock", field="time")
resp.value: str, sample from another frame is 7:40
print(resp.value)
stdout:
8:43
